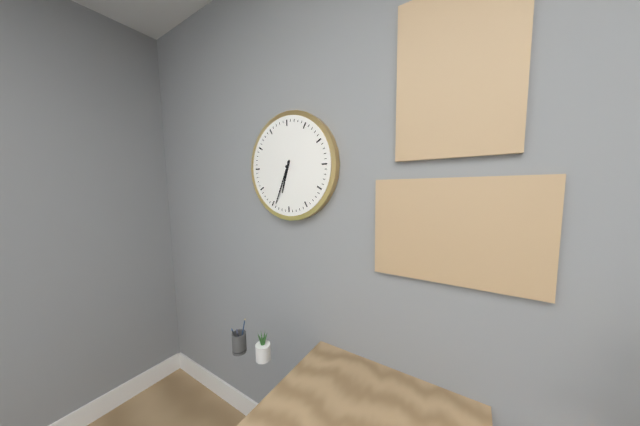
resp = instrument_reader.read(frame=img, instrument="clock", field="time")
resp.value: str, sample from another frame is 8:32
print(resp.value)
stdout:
6:34
